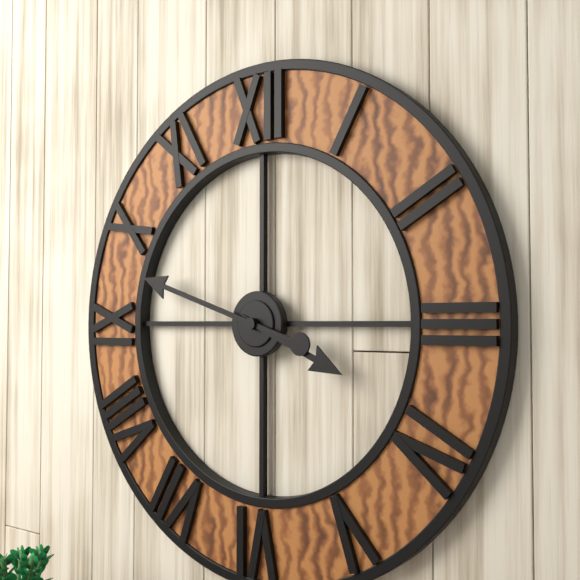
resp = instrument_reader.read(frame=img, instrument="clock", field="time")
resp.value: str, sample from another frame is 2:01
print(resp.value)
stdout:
3:48
